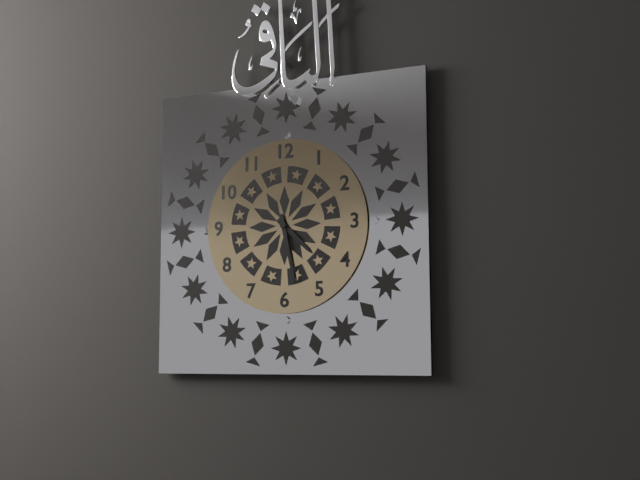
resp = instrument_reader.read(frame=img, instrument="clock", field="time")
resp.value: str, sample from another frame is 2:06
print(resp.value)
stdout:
4:28
